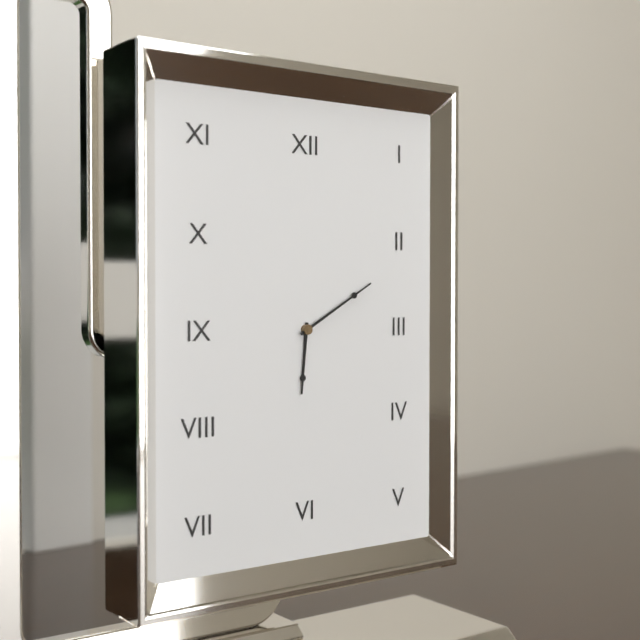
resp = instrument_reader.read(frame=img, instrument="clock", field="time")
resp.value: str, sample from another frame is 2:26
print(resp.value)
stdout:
6:10
